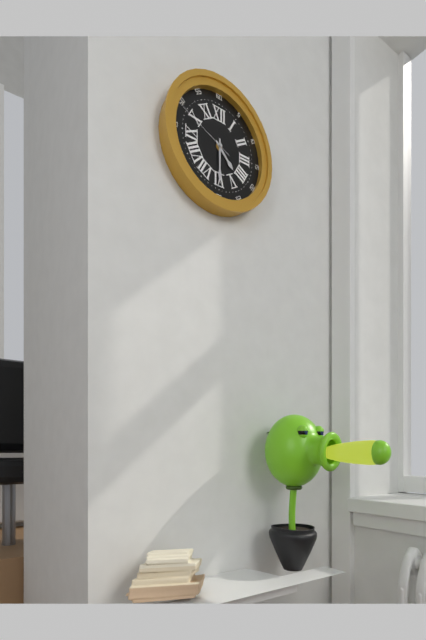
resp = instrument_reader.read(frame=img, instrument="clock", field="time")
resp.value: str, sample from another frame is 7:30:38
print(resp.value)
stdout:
4:30:49
